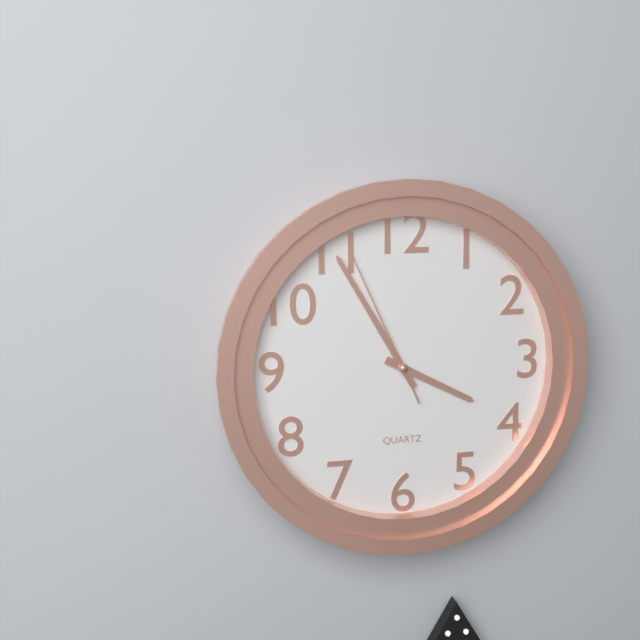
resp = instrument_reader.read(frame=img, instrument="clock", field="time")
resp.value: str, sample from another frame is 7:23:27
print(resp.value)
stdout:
3:55:56
